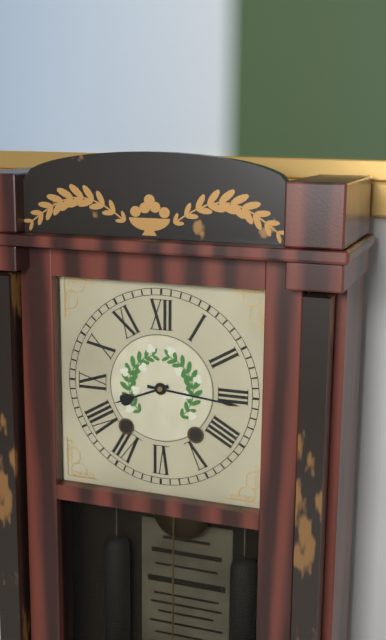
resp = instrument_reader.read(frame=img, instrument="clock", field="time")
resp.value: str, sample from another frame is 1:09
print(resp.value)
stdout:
8:16
